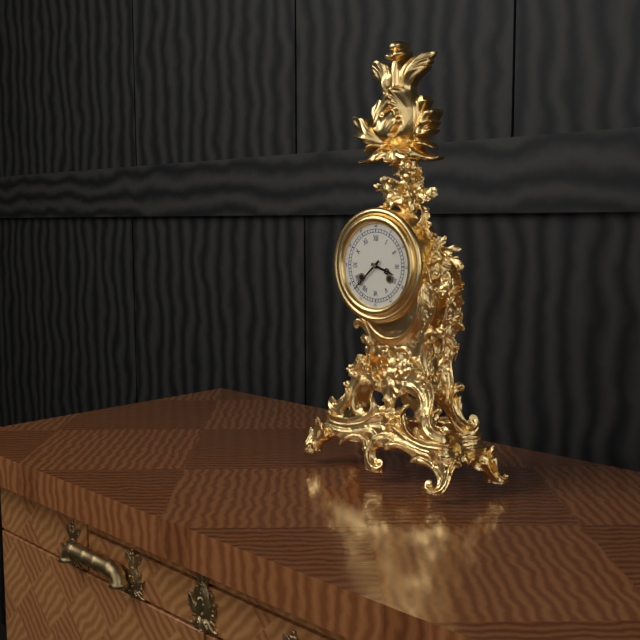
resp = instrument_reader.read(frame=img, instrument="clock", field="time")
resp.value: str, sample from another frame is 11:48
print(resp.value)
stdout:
3:38
